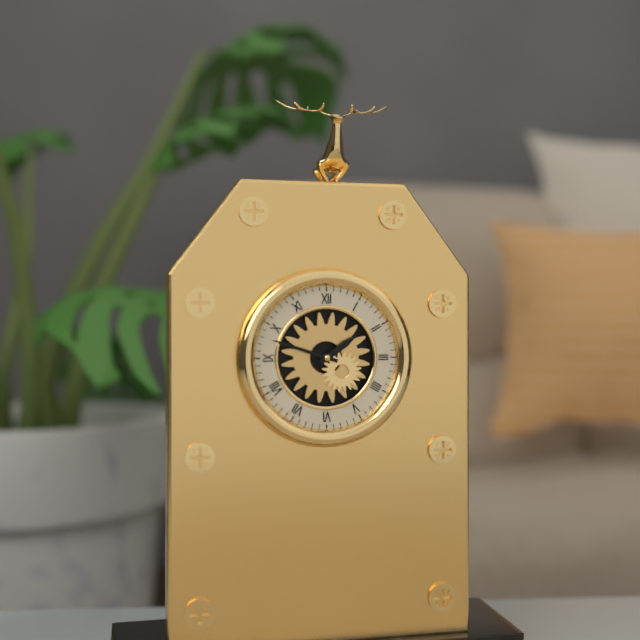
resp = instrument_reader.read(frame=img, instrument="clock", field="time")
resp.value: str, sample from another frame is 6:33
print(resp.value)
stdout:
1:48
